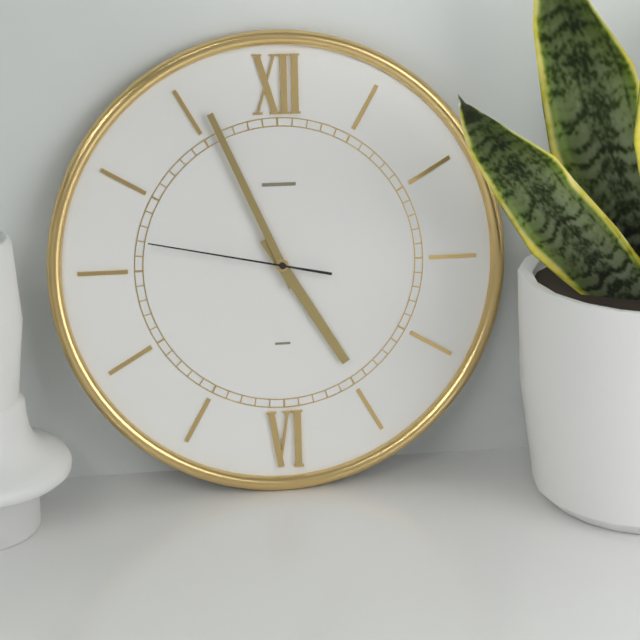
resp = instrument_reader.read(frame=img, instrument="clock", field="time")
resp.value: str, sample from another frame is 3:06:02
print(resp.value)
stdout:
4:56:47
